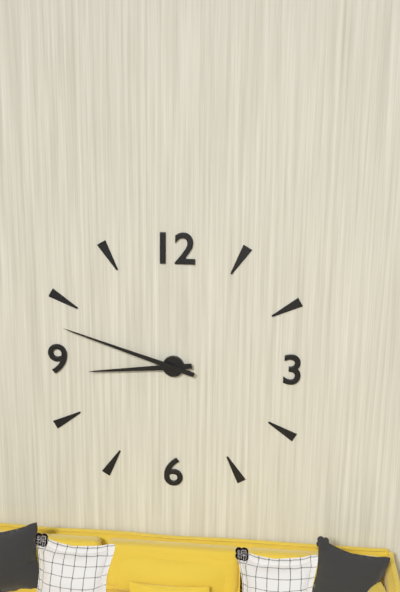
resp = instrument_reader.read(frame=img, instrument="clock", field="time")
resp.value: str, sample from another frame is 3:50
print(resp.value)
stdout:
8:48
